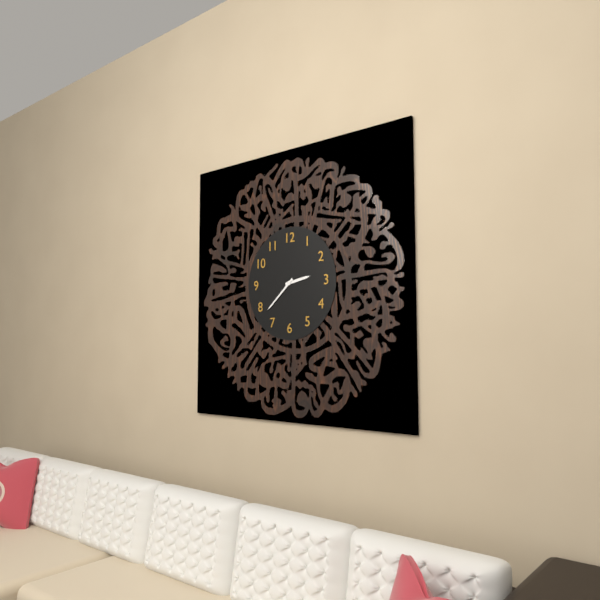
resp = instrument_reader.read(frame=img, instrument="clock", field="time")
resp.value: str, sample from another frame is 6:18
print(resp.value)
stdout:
2:38
